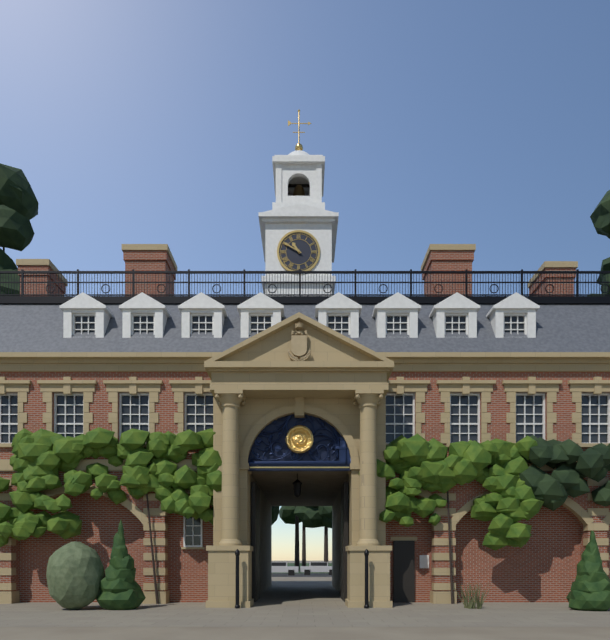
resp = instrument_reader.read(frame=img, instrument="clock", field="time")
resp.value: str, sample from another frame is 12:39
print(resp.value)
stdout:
10:50
